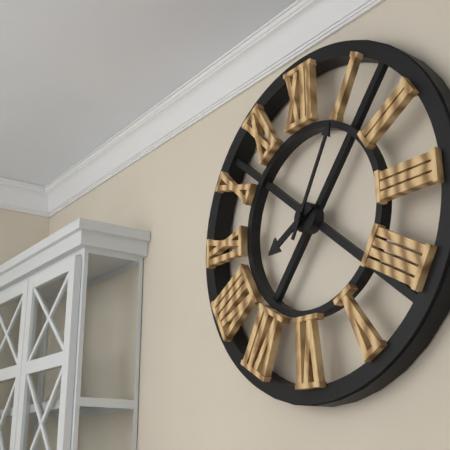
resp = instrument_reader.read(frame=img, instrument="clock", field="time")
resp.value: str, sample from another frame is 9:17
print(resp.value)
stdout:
8:05
